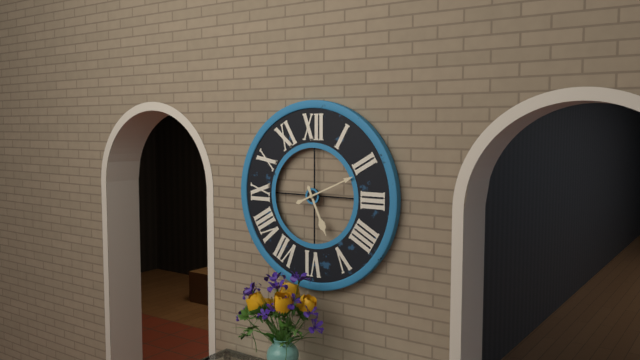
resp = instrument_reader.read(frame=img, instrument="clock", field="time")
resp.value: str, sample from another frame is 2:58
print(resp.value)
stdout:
5:11
